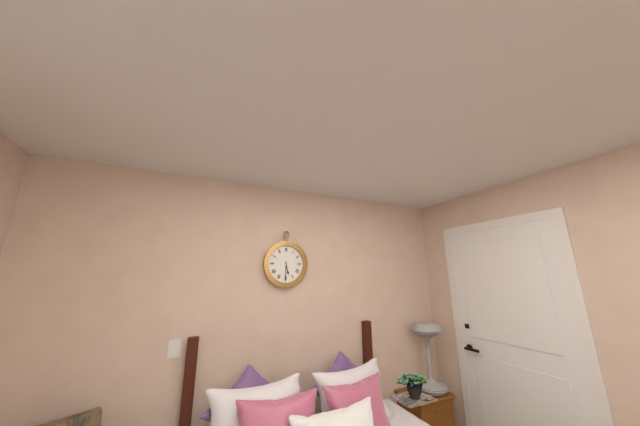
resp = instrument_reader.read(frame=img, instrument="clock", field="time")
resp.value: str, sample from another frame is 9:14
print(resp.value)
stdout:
5:30
